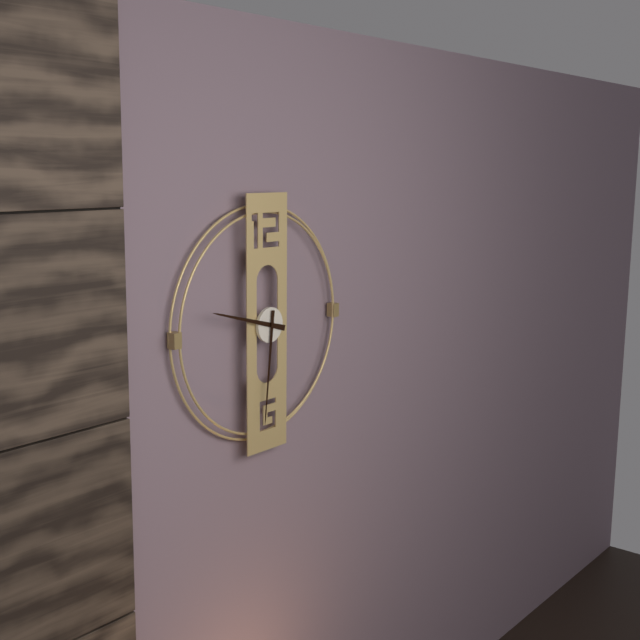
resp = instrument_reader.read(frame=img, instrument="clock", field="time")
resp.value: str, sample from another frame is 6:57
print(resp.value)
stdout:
9:31
